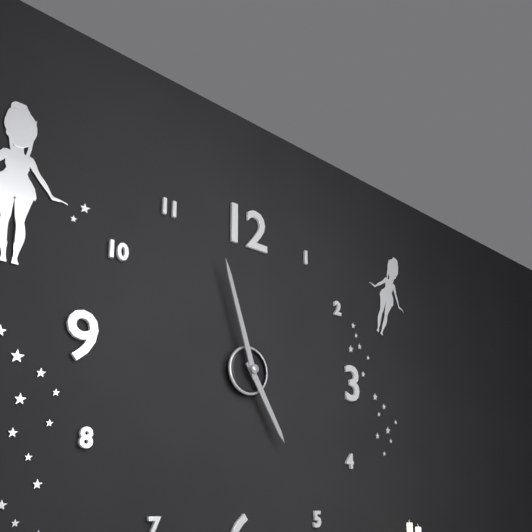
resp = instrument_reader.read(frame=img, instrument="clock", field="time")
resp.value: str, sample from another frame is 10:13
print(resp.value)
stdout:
4:57
